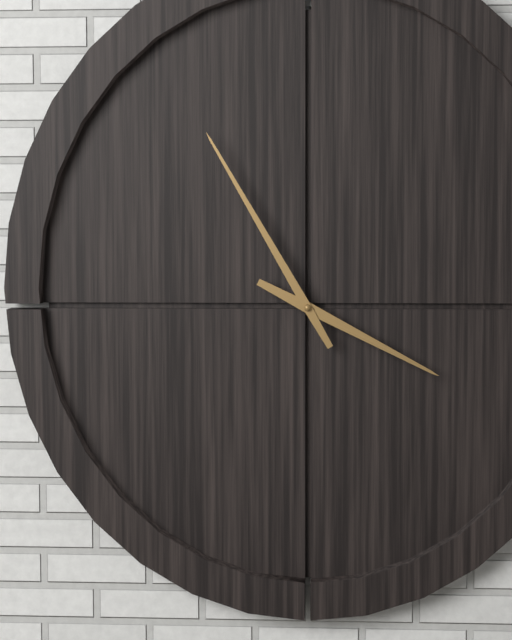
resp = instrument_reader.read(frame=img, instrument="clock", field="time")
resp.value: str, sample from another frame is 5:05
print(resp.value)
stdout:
3:55
